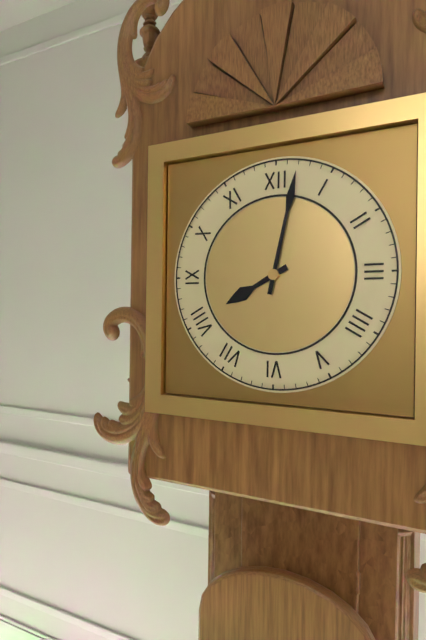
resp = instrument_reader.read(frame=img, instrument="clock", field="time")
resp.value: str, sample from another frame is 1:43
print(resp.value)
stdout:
8:02
